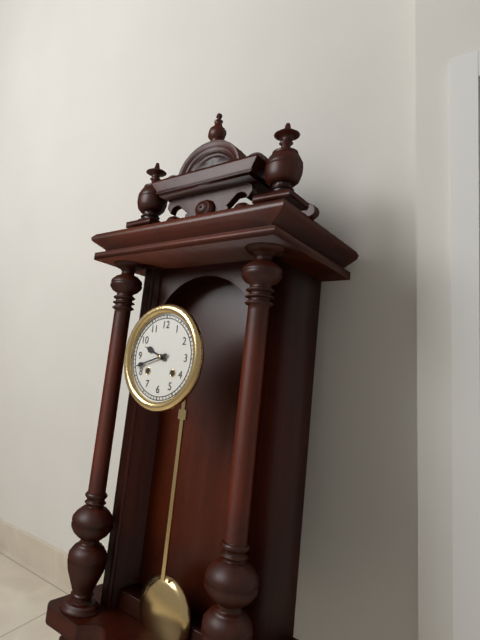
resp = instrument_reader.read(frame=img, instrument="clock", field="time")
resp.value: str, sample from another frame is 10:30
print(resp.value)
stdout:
9:42
